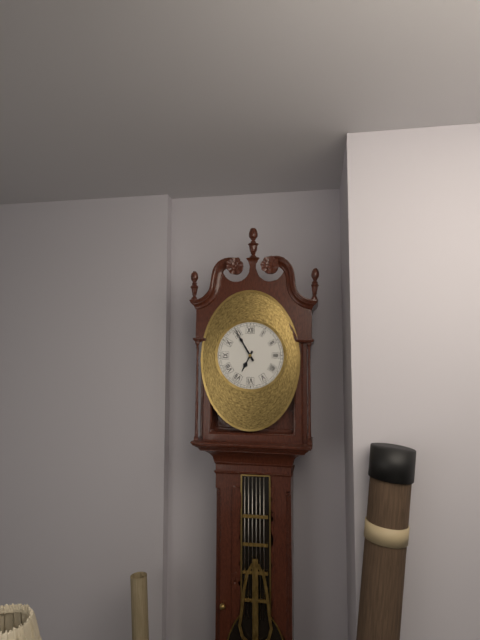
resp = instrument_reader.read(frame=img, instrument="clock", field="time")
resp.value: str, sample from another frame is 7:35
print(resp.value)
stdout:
6:55
